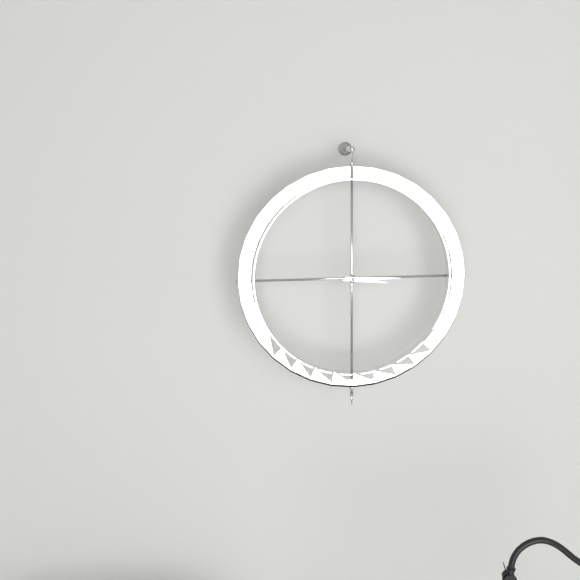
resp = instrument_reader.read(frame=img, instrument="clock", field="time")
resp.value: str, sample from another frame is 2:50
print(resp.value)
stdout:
3:15
